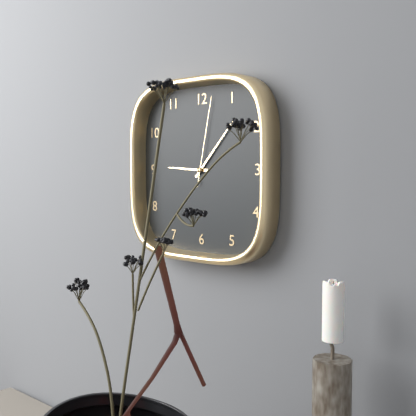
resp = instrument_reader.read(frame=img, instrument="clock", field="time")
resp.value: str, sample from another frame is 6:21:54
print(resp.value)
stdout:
9:07:02
